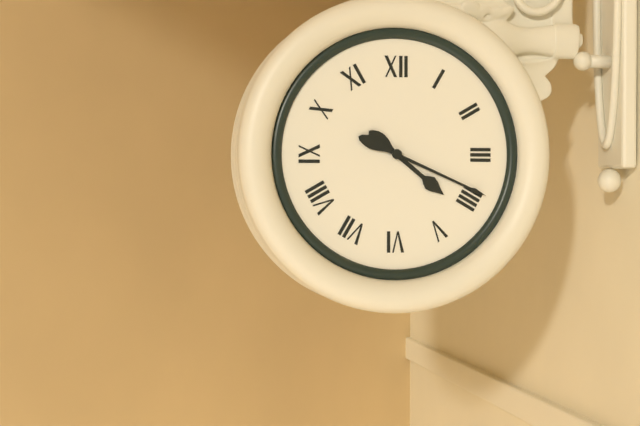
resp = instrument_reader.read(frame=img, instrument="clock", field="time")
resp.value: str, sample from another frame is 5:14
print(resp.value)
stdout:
4:19
